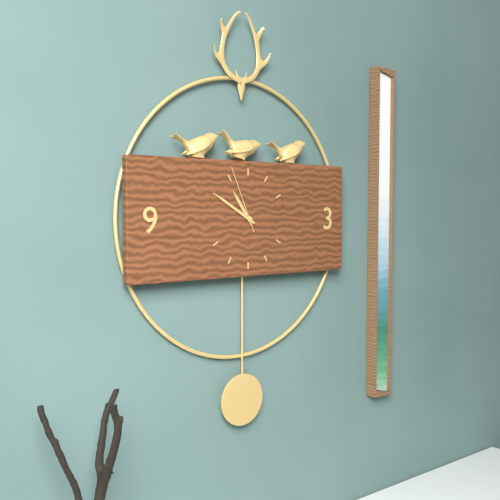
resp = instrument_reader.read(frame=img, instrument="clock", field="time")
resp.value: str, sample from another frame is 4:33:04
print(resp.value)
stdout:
10:50:56
